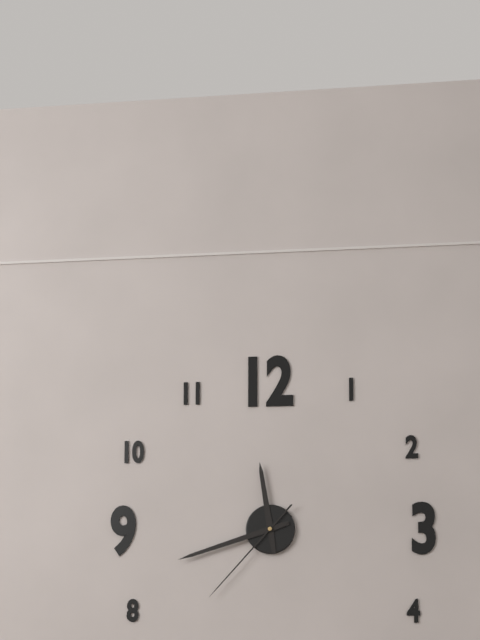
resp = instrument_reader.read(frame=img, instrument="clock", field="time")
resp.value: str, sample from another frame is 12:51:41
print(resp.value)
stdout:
11:42:37
